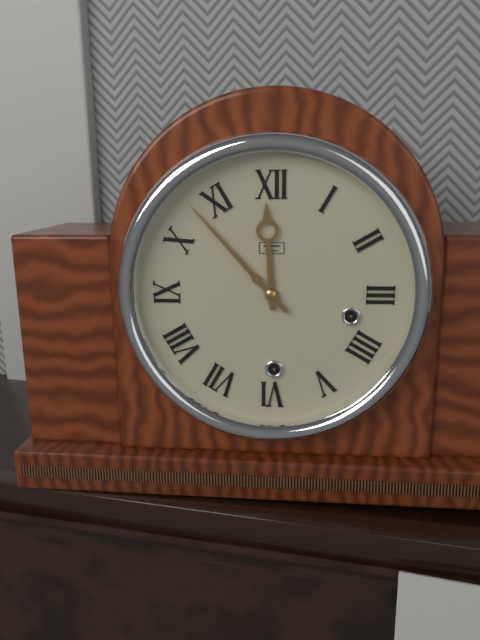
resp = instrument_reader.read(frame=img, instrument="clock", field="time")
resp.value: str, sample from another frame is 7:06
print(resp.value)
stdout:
11:53
